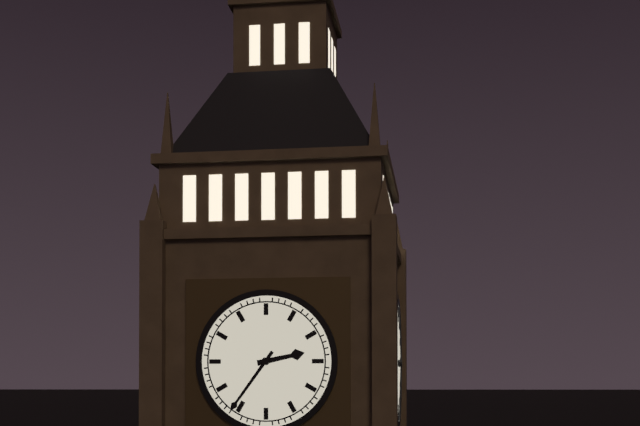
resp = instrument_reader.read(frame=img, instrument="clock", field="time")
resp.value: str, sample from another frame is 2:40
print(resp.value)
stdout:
2:36
